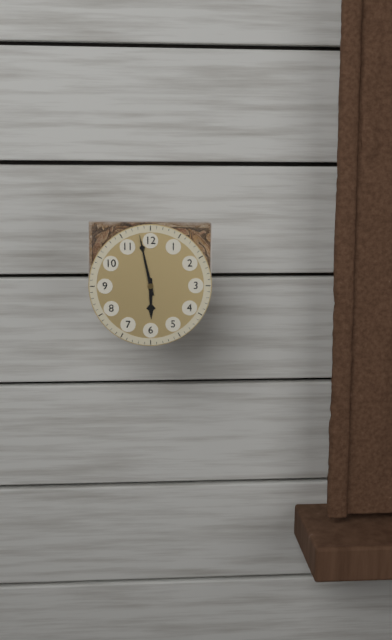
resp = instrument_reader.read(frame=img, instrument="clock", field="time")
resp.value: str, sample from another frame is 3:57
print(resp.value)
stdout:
5:58
